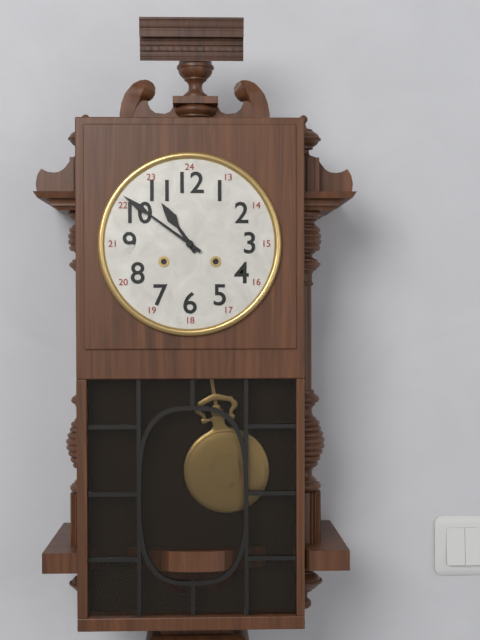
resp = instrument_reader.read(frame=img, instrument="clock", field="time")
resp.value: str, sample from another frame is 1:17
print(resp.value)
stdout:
10:51
